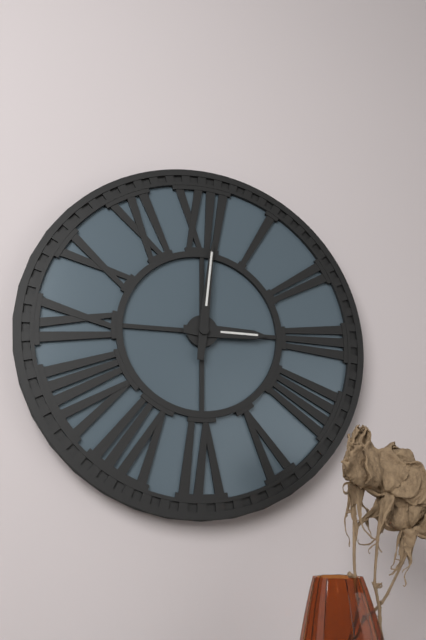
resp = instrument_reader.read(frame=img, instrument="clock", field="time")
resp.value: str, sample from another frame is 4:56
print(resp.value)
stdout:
3:01
